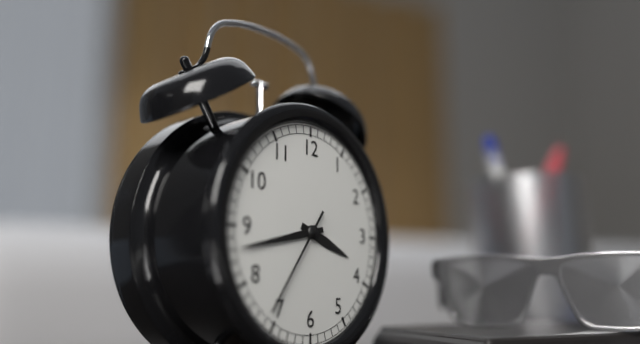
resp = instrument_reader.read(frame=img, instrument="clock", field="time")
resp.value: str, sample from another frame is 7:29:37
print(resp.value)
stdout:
3:43:36
